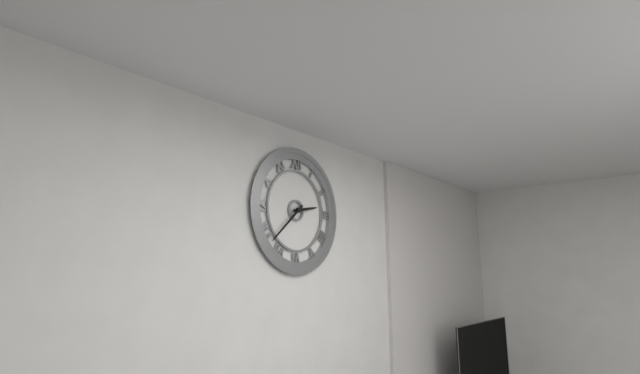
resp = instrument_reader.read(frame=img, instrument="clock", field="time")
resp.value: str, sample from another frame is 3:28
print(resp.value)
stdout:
2:38
